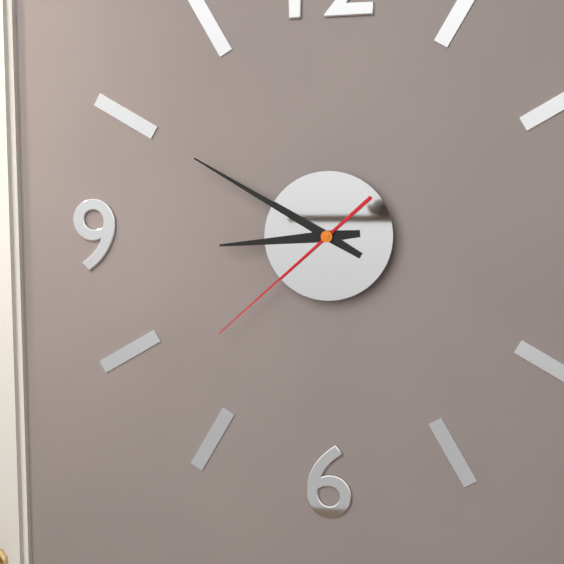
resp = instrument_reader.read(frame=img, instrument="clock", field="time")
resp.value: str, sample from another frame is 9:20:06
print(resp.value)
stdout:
8:50:38
